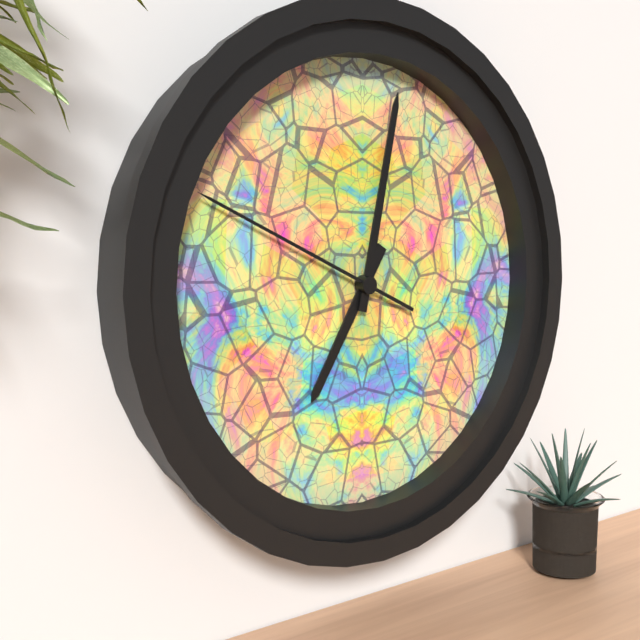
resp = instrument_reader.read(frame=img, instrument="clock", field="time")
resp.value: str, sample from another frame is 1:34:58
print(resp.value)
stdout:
7:02:49
